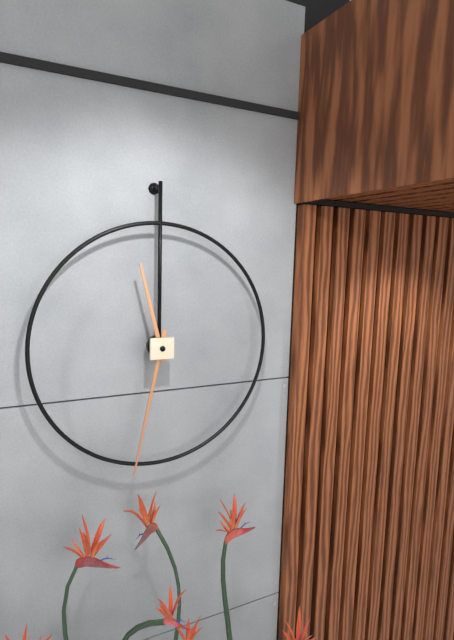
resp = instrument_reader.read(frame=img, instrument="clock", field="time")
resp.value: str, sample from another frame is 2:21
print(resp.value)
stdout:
11:32
